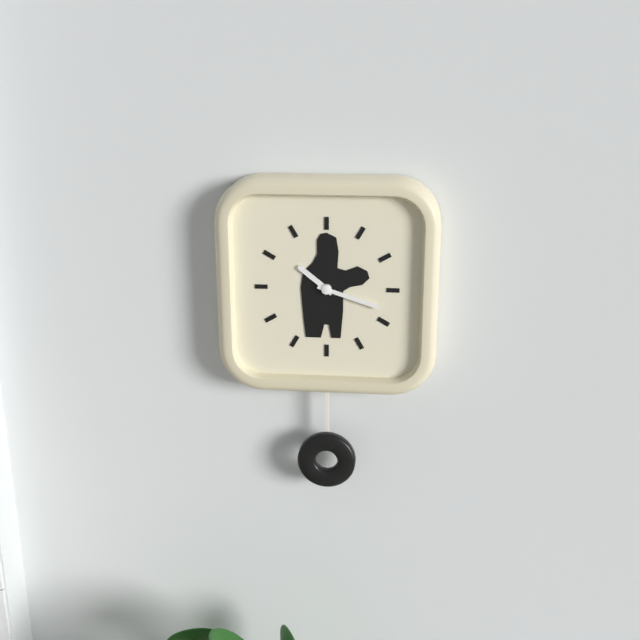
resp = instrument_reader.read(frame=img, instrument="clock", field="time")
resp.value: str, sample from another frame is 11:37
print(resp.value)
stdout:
10:18
